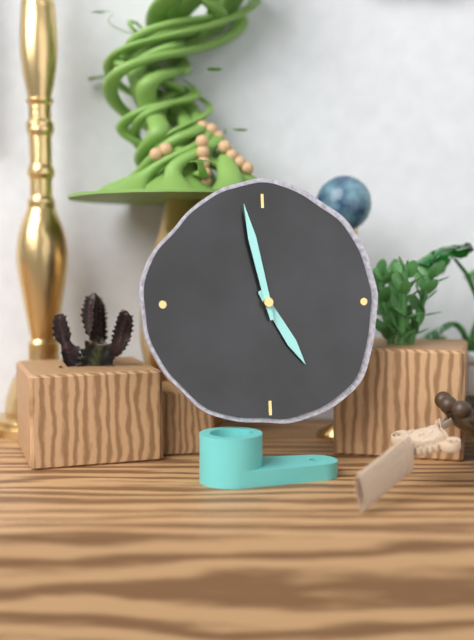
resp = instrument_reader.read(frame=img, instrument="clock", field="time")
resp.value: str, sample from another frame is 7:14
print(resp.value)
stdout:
4:58
